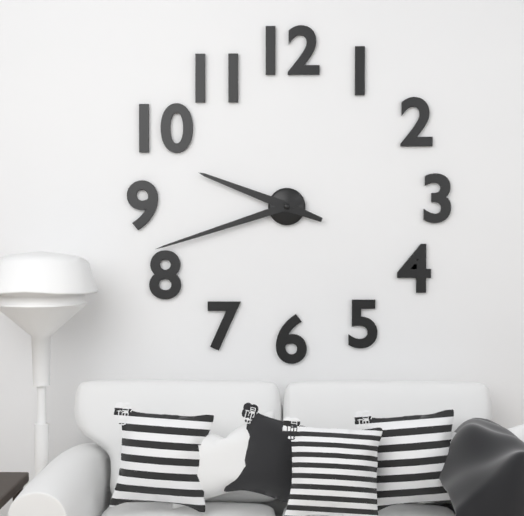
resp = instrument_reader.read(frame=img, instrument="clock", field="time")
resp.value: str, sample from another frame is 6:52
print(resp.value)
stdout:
9:42
